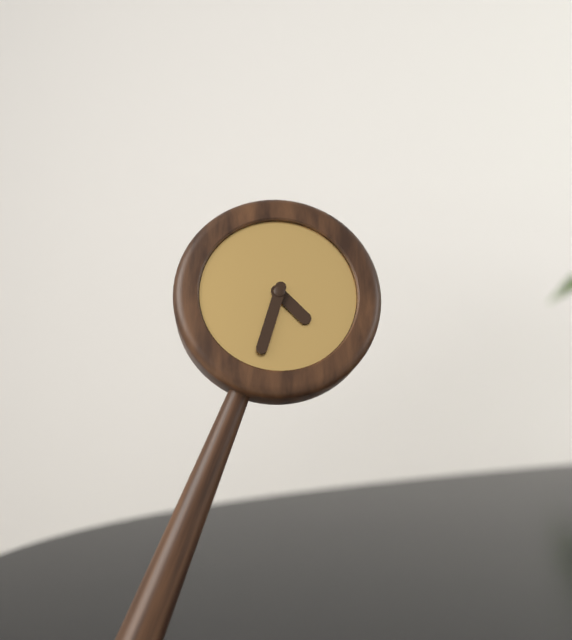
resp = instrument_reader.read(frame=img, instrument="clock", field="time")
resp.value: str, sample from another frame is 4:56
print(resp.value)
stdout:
4:33
